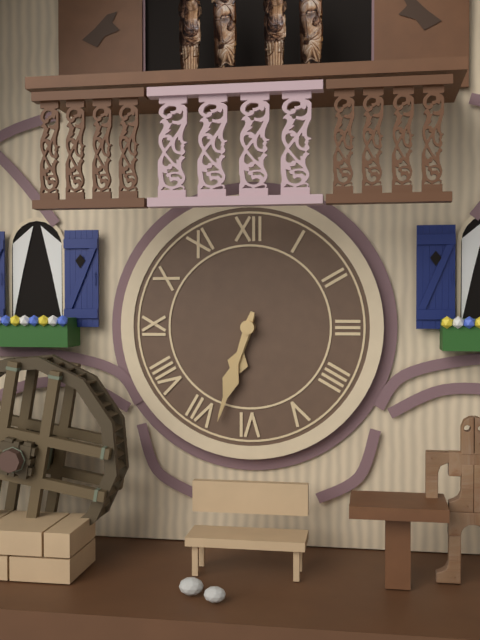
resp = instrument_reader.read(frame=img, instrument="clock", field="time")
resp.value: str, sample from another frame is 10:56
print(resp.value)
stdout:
6:33
